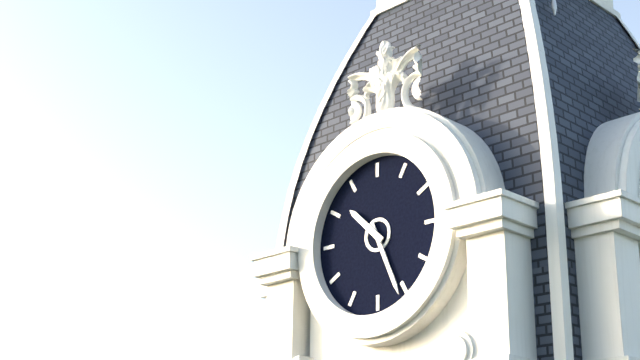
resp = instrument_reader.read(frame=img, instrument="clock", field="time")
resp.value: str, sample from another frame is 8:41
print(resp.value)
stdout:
10:26
